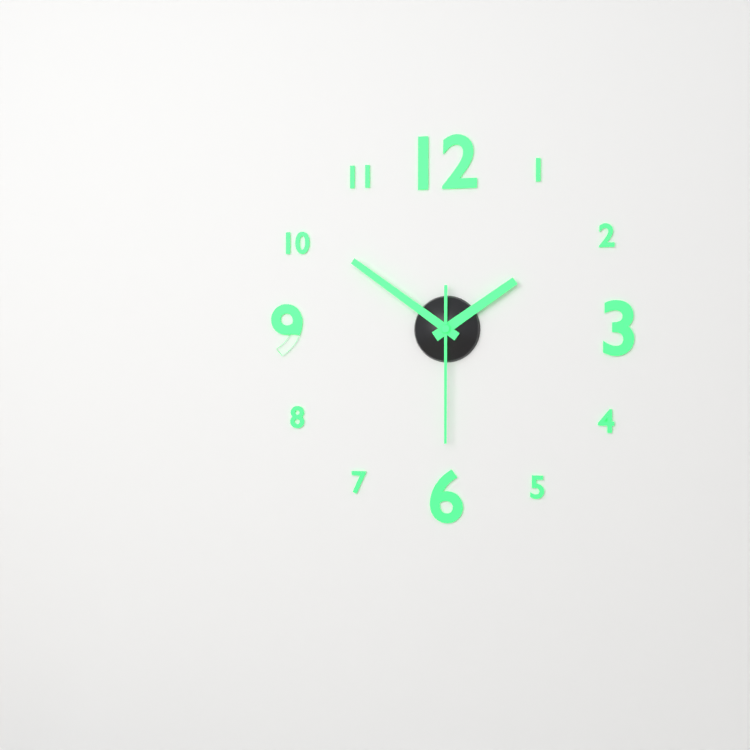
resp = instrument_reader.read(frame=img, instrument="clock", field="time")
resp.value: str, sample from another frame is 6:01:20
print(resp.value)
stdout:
1:51:30
